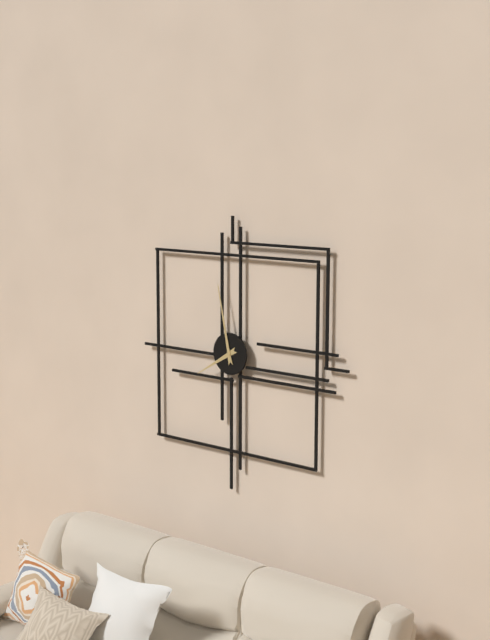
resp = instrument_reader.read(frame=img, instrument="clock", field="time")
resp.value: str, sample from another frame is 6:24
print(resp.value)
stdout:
7:58
